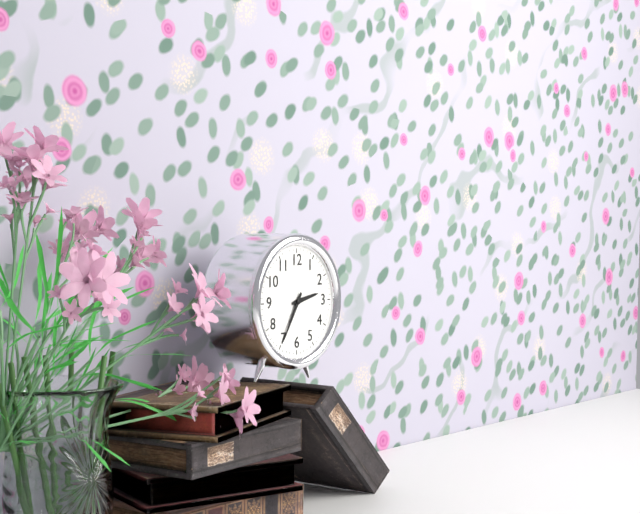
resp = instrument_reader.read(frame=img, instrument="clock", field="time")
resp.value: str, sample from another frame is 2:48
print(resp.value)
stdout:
2:35
